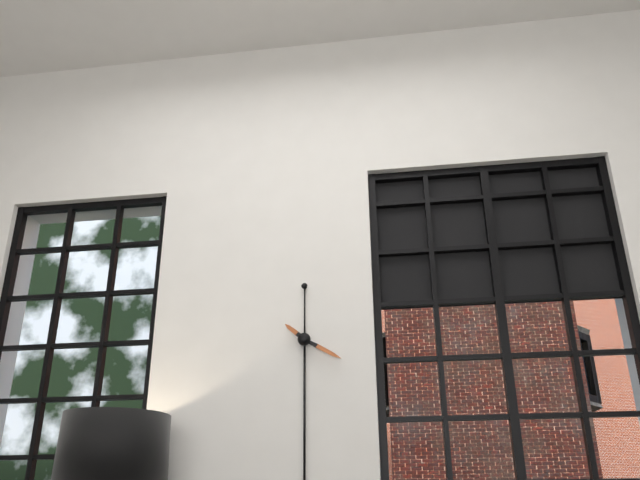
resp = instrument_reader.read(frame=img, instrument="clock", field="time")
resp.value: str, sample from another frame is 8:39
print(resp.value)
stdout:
10:20
